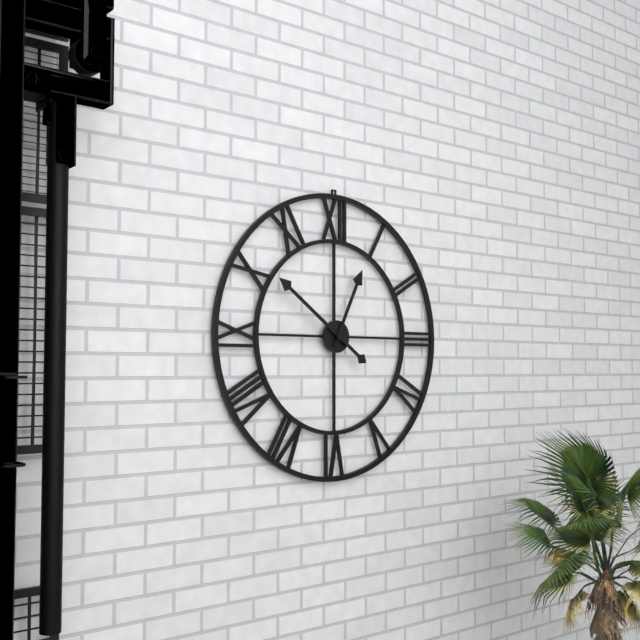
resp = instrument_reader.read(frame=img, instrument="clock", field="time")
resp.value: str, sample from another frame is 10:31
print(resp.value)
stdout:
12:51
